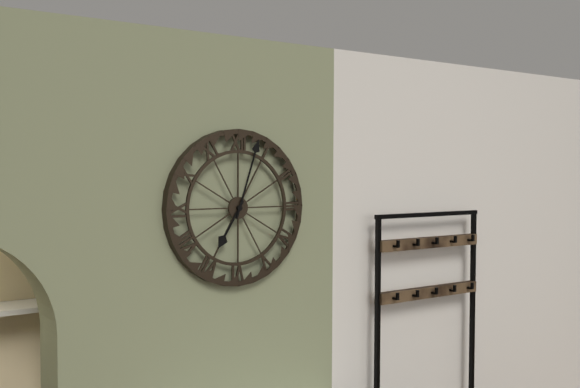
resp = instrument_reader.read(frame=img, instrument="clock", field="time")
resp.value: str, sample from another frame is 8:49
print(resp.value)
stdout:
7:03
